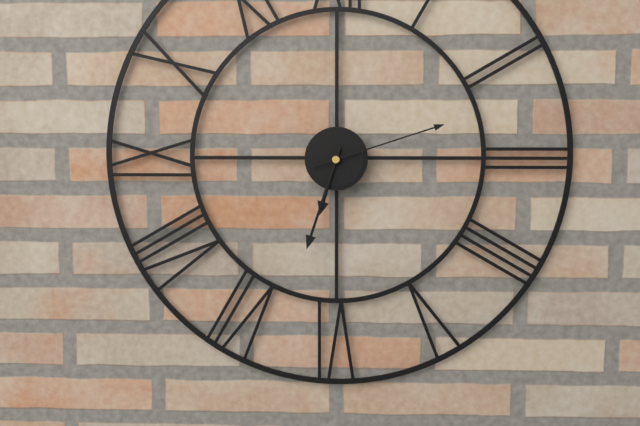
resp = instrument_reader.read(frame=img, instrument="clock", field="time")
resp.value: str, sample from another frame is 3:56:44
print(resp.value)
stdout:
6:33:12
